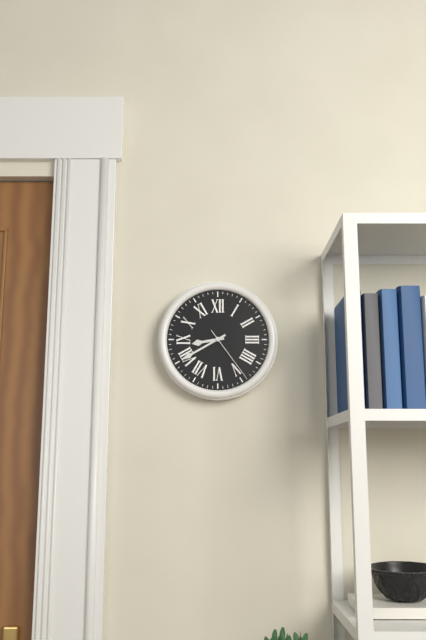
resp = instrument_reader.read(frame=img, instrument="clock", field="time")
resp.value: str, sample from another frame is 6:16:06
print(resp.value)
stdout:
8:40:24
